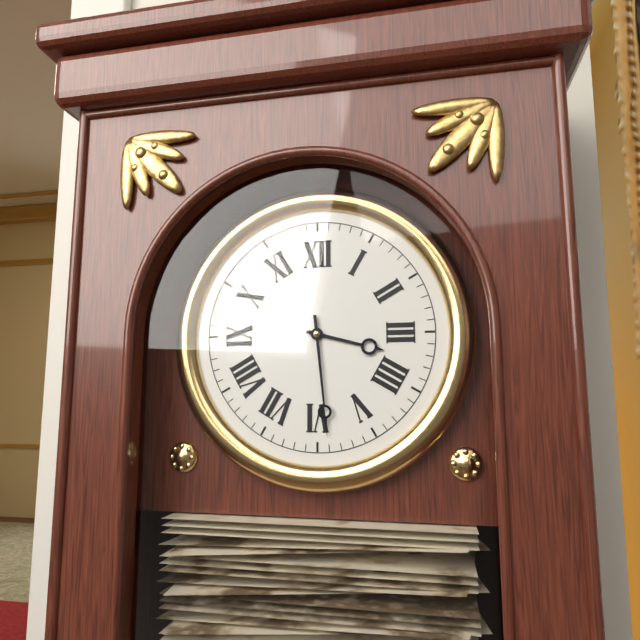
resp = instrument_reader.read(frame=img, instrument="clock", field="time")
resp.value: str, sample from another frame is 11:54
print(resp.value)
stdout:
3:29
